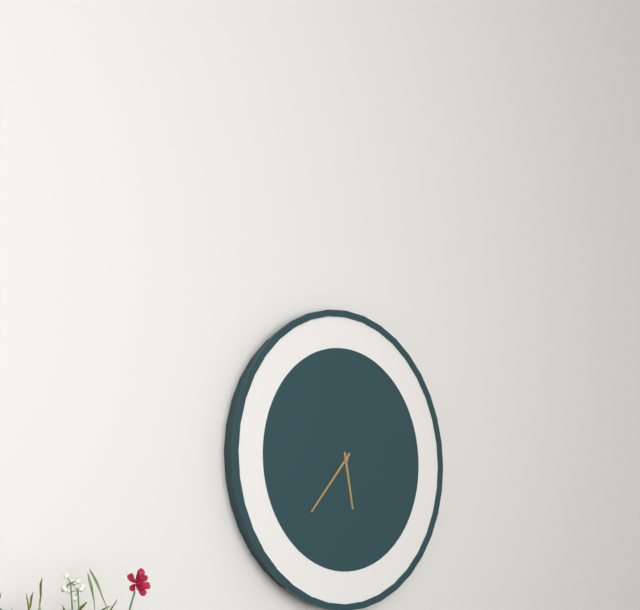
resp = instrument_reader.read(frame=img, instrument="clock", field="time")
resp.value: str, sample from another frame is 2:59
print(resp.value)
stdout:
5:37
